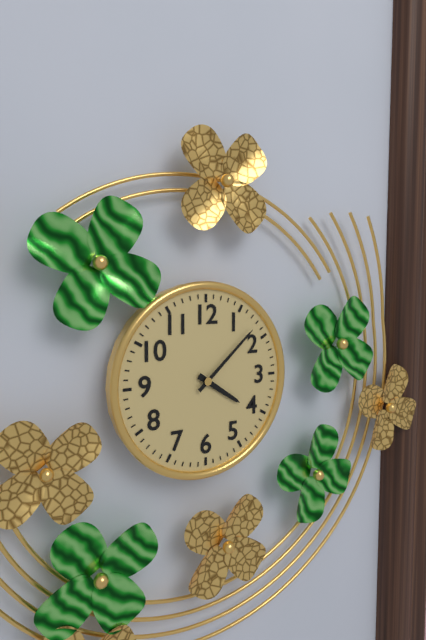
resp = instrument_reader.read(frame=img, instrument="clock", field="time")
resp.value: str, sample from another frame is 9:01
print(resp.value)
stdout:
4:08
